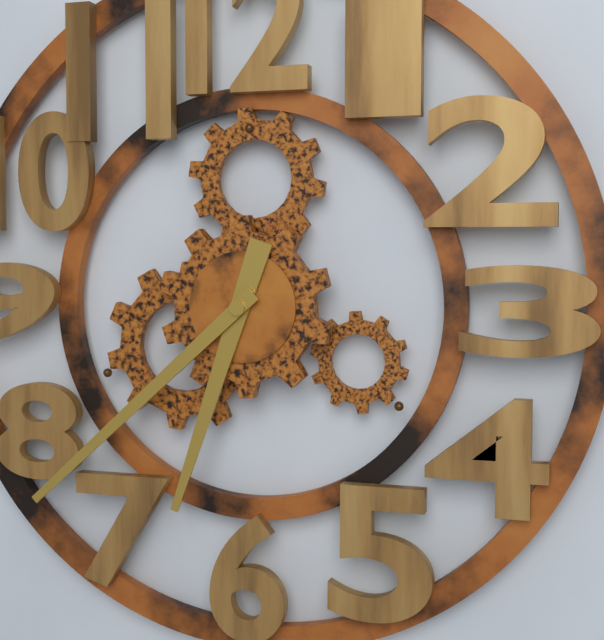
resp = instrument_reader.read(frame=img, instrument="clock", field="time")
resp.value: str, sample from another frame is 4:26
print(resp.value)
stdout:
6:38
